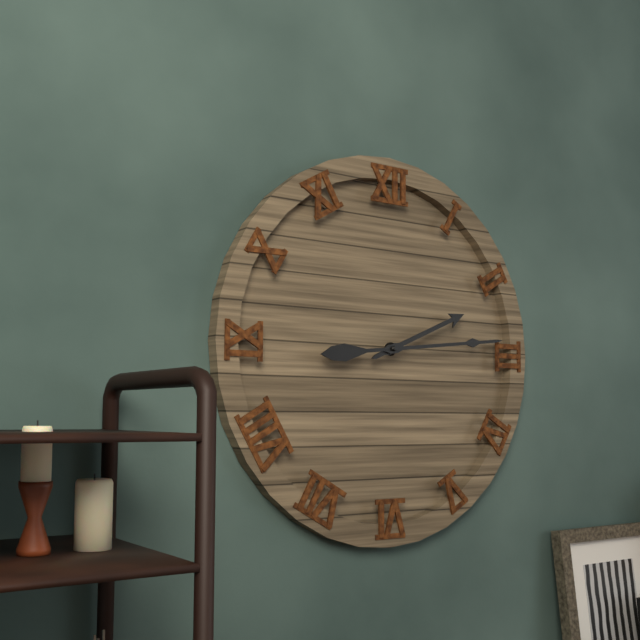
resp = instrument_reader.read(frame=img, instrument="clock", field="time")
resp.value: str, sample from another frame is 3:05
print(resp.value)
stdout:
2:14
